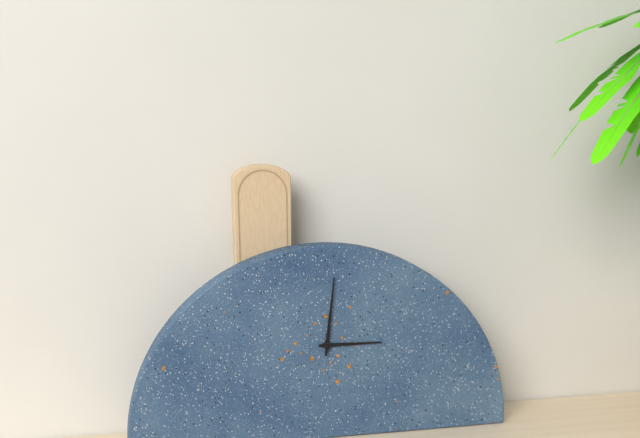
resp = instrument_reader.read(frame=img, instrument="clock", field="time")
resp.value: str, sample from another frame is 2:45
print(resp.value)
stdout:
3:01
